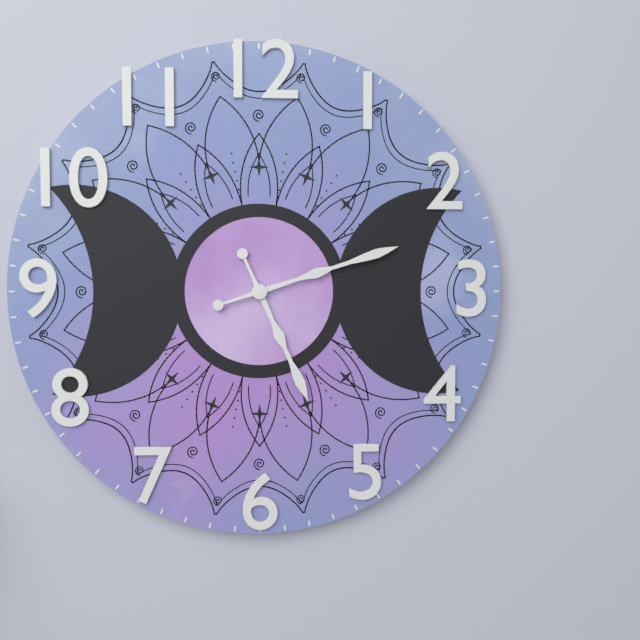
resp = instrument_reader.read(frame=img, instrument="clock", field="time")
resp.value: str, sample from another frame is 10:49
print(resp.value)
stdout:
5:12
